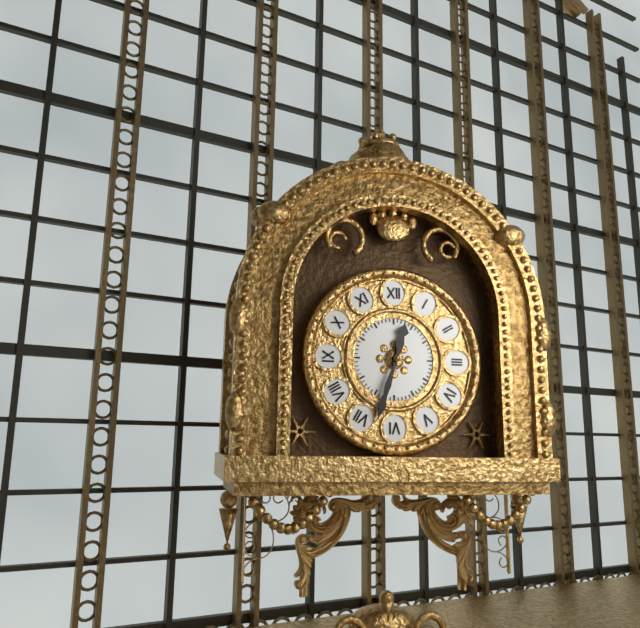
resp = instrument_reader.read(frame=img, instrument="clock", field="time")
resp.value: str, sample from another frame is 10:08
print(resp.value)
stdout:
12:33
